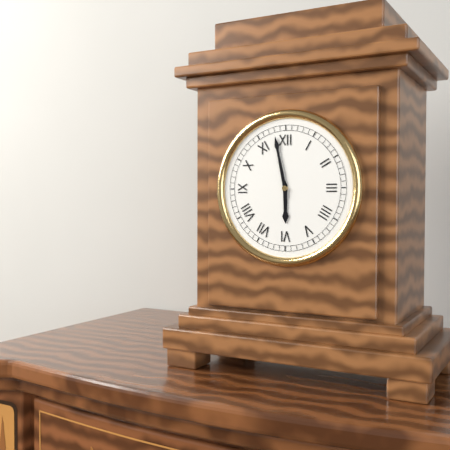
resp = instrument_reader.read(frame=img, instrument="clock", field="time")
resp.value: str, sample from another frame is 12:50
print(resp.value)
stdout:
5:58
